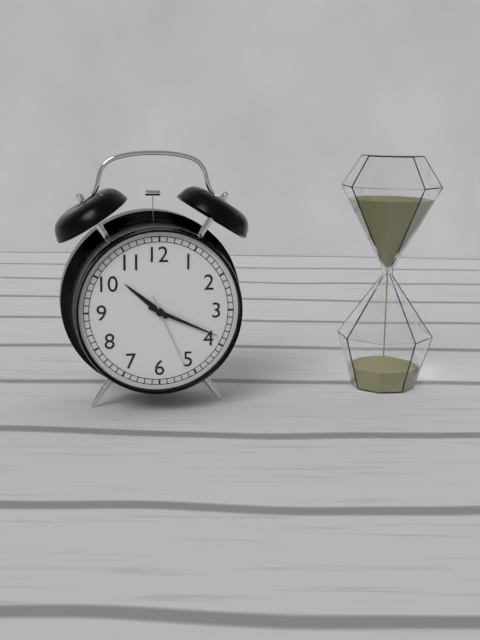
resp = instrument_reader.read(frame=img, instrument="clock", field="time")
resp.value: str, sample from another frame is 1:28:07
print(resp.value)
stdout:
10:19:26
